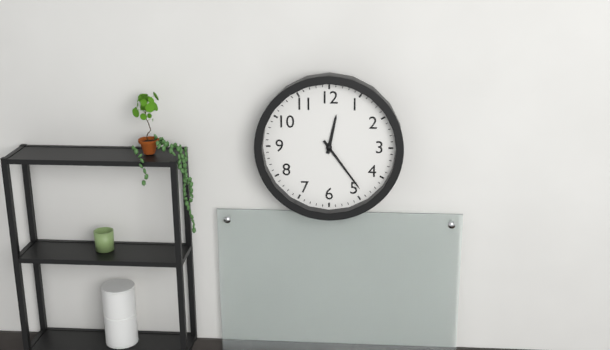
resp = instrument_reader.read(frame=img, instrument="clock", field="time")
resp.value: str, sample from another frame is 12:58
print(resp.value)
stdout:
12:24
